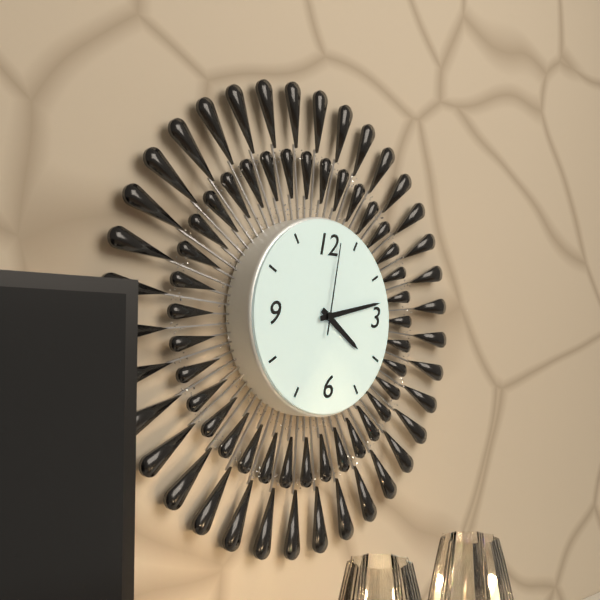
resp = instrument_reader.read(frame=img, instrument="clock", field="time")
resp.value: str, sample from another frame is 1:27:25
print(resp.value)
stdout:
4:13:02
